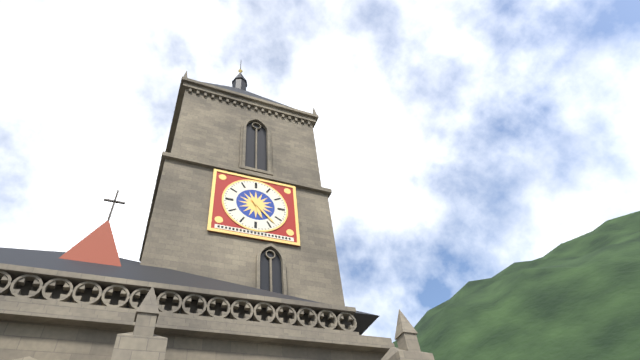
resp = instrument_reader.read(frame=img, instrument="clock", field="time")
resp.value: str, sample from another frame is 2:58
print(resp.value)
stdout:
5:23
